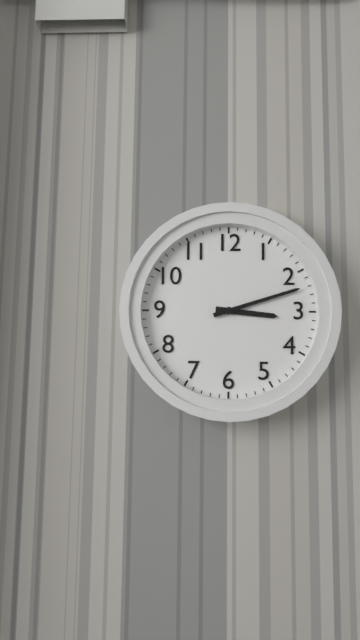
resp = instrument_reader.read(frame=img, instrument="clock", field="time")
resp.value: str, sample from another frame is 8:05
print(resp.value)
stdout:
3:12
